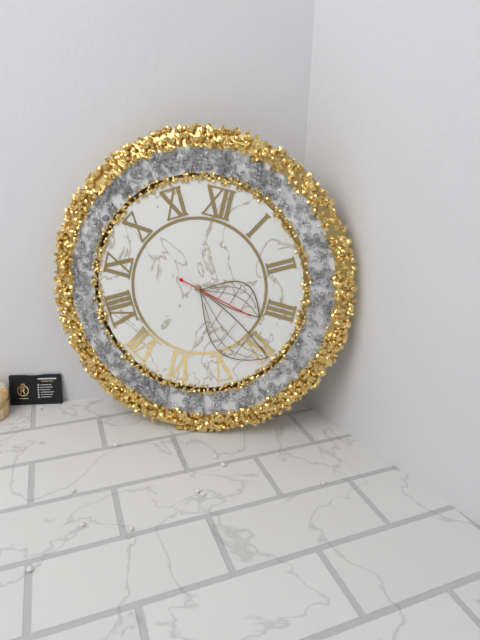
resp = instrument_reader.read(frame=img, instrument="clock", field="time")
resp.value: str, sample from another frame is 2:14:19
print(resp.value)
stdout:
3:20:17
